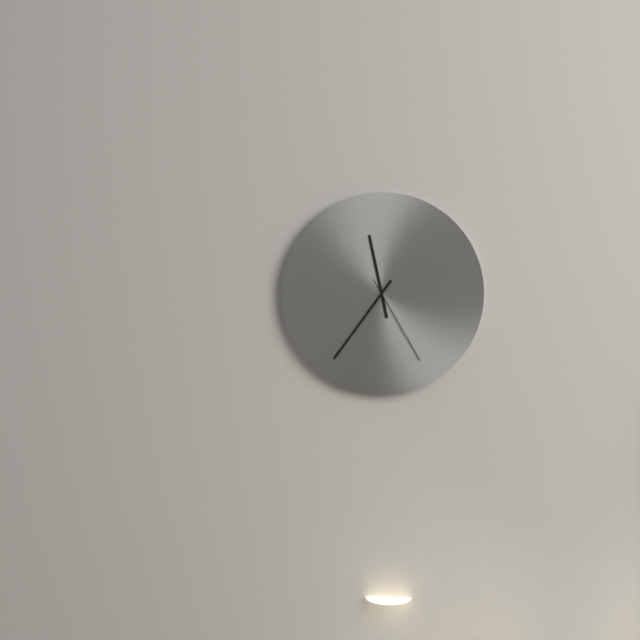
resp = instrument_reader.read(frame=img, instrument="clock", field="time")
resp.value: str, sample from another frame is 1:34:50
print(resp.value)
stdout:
11:36:25
